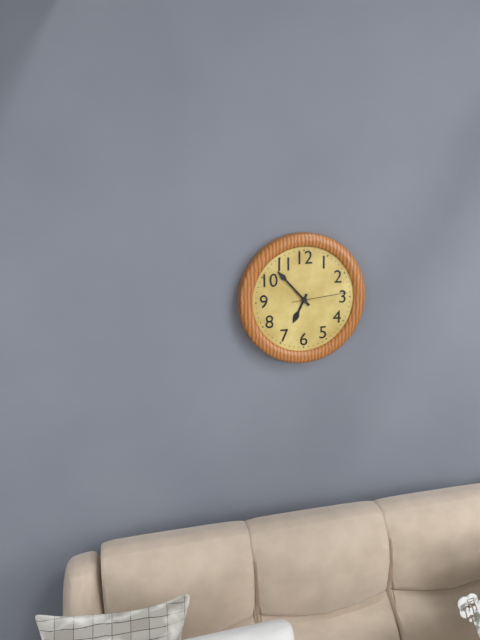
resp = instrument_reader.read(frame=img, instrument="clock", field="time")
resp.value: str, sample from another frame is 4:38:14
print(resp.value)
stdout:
6:53:14
